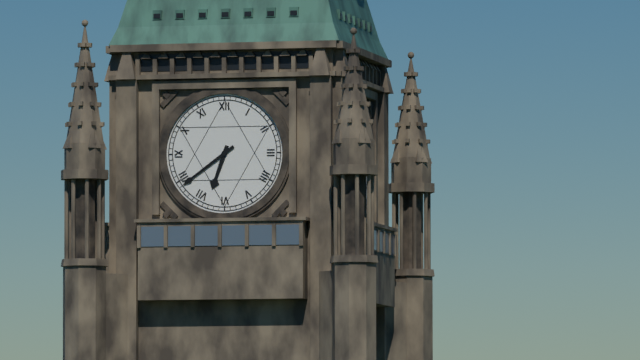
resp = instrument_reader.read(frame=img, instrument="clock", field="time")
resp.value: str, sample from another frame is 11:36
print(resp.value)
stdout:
6:39
